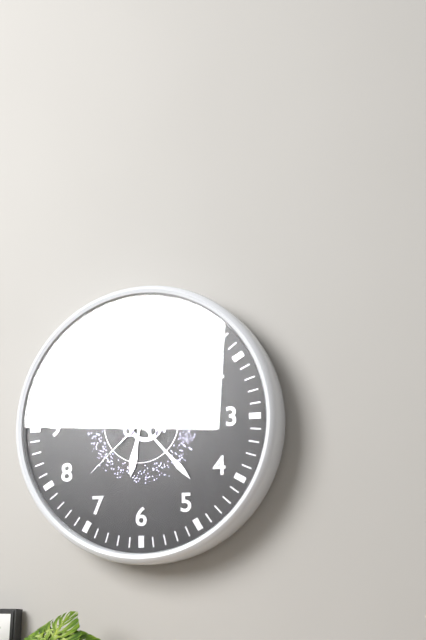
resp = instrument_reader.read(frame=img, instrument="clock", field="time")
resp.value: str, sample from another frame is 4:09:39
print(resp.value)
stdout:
6:23:38
